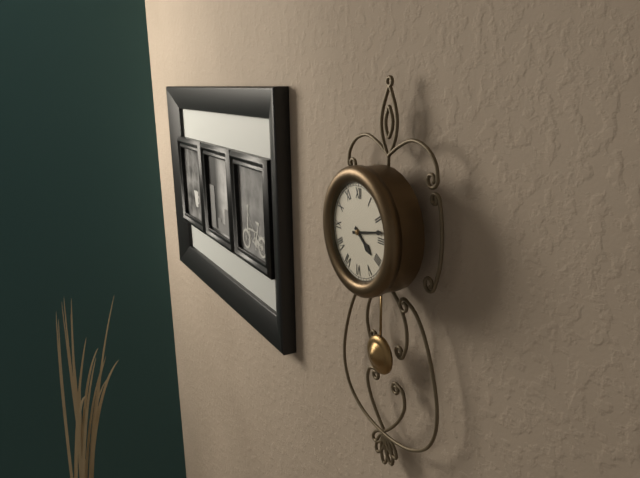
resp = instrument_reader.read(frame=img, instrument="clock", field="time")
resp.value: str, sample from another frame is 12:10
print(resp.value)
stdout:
4:13
